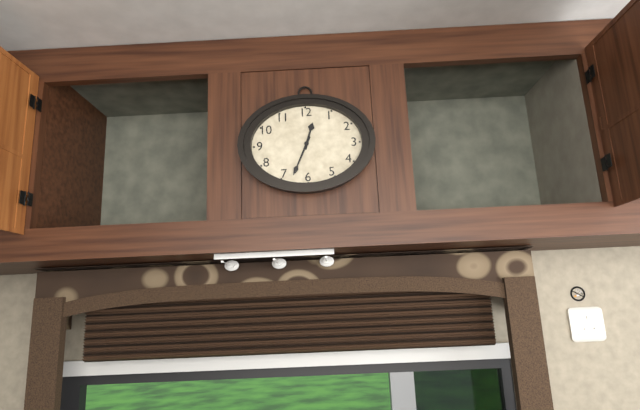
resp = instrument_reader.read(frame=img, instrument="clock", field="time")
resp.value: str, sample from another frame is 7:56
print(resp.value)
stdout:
12:34
